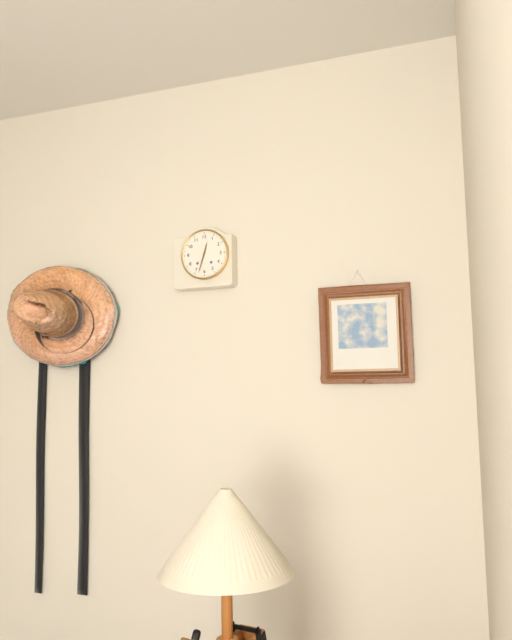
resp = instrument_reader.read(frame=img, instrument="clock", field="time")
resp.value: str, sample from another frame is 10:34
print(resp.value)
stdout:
12:33
